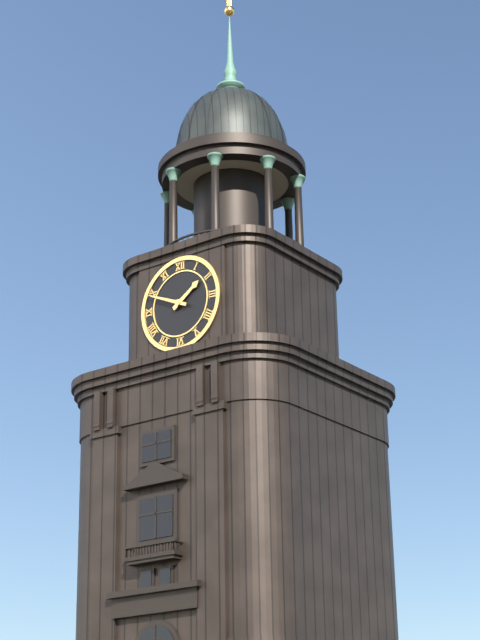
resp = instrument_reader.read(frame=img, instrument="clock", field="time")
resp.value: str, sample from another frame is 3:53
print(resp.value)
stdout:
1:49
